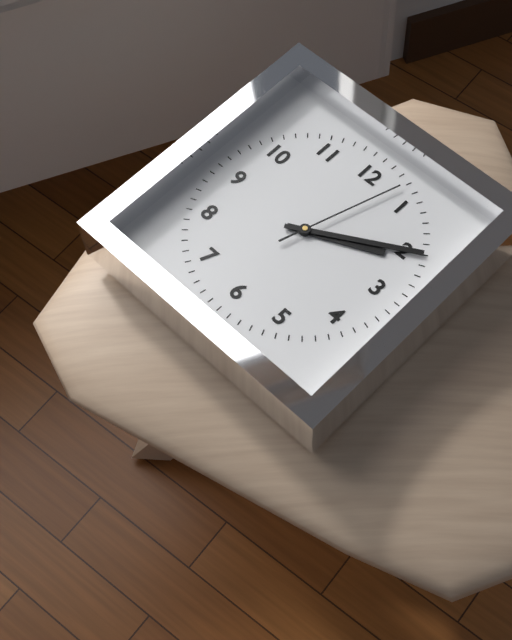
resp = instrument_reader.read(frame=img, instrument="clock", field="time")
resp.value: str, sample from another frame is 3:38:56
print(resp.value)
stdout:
2:10:03
